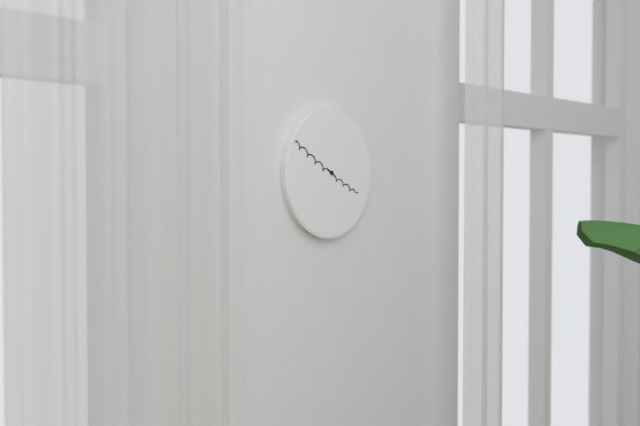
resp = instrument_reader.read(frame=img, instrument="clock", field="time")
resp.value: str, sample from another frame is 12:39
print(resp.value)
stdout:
3:50
